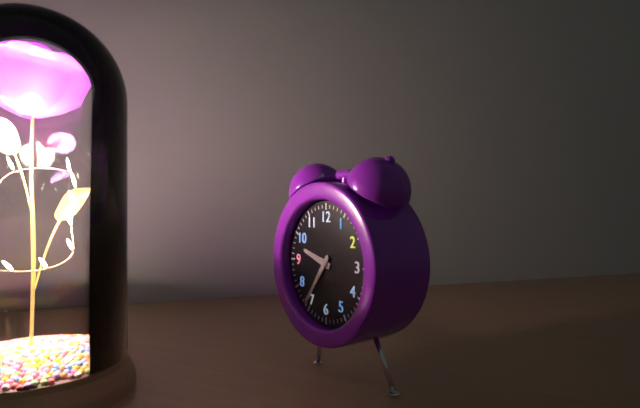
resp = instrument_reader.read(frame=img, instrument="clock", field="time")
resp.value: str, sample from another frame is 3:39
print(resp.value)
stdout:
9:36
